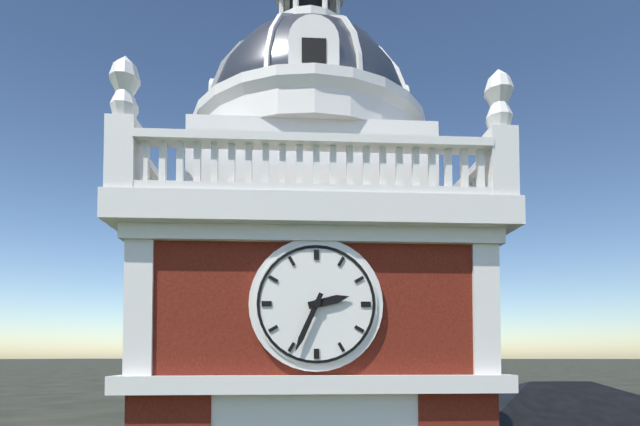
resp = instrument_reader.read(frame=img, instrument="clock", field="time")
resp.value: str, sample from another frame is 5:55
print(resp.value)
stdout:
2:34
